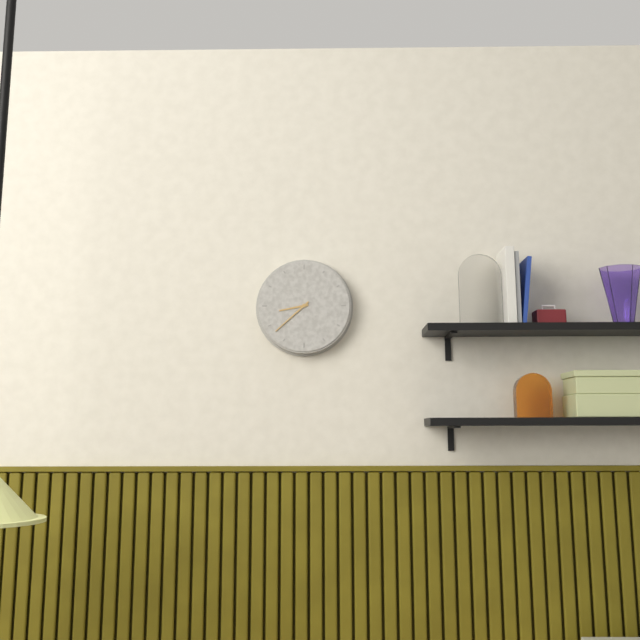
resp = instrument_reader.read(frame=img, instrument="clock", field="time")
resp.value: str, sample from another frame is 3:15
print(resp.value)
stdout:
8:38
